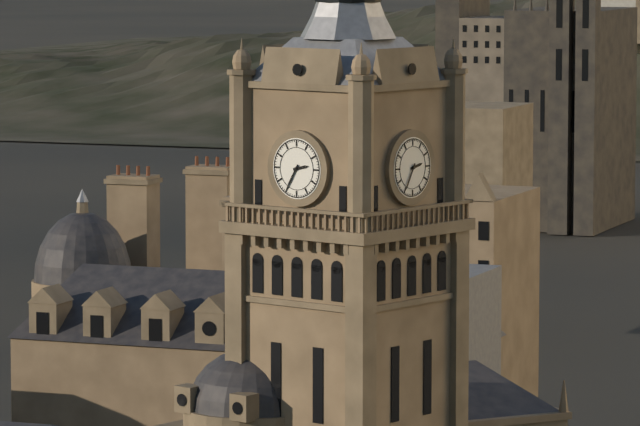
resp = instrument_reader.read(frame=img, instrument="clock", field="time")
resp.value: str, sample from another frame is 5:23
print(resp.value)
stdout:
2:35
